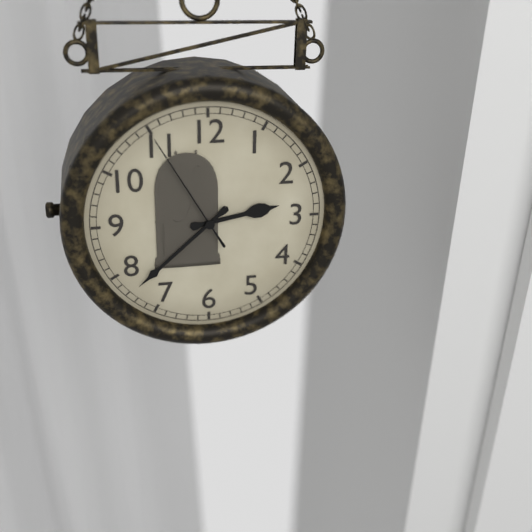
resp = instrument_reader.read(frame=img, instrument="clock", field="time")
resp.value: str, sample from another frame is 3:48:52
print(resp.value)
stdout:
2:38:55
